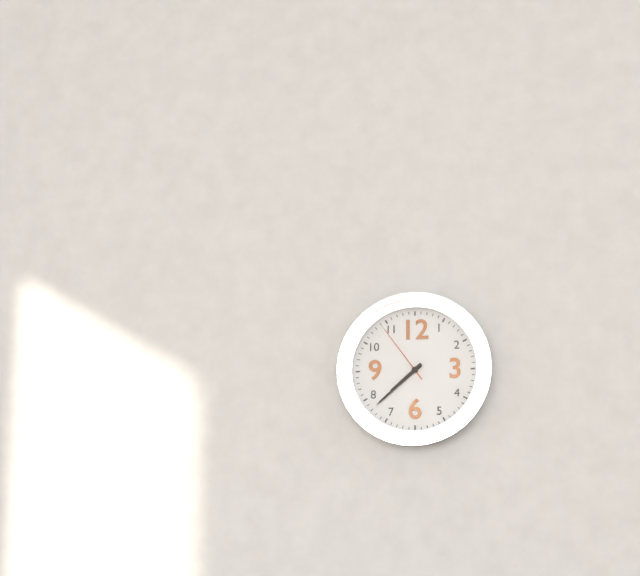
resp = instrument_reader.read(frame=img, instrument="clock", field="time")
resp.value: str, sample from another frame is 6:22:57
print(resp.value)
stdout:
7:38:54
